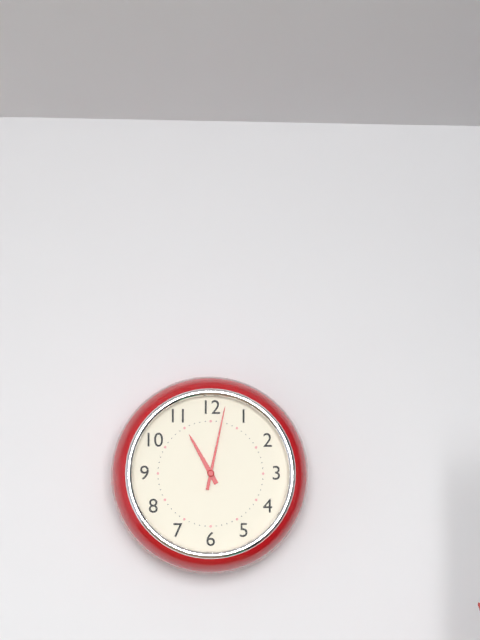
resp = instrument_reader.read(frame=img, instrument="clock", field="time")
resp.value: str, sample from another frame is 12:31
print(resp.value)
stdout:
11:02
